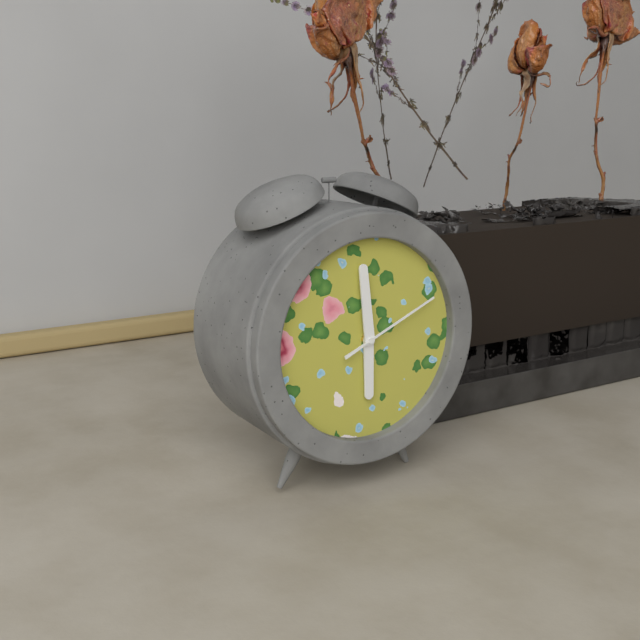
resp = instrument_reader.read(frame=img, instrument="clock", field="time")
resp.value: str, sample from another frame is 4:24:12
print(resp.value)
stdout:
5:59:11
